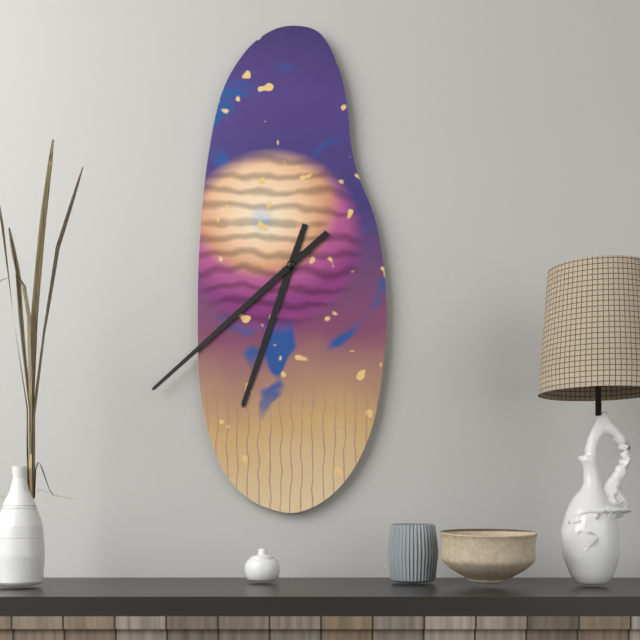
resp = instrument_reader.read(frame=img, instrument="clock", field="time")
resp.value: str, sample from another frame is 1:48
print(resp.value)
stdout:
6:38
